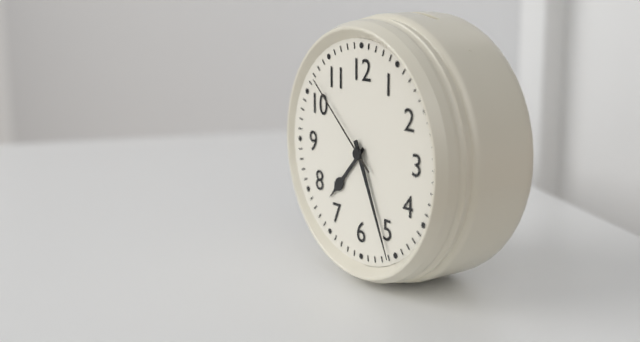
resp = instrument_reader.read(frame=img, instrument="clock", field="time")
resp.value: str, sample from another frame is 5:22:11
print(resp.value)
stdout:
7:26:52
